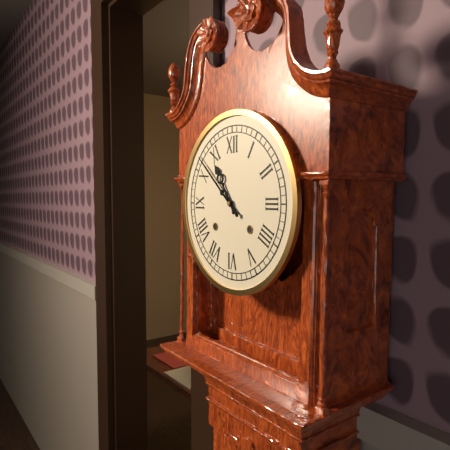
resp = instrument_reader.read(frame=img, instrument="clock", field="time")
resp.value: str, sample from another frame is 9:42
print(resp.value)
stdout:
10:52
